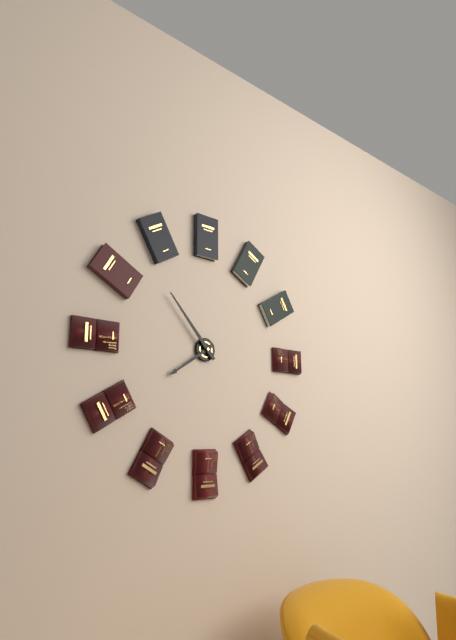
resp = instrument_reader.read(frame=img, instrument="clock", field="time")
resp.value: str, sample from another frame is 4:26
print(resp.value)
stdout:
7:53
